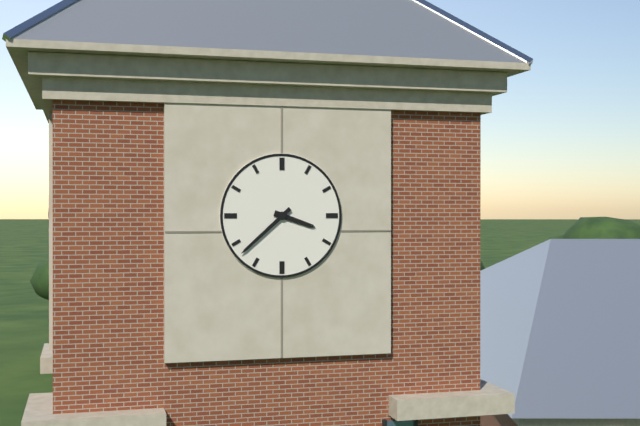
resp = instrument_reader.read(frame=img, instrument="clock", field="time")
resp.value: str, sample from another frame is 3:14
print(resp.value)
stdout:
3:38
